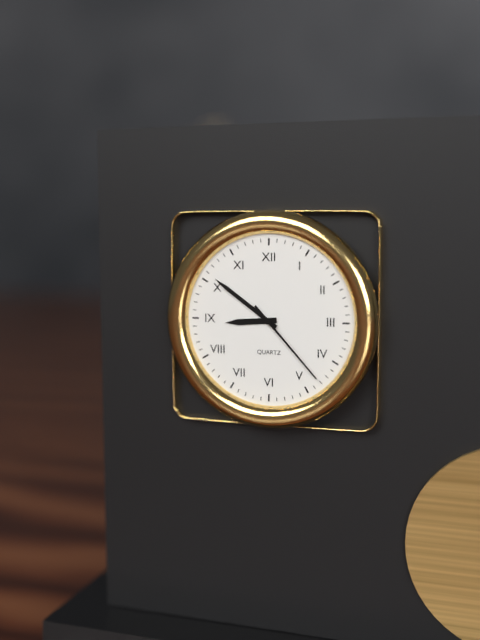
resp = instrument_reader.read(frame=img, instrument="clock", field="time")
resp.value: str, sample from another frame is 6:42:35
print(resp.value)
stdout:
8:51:23
